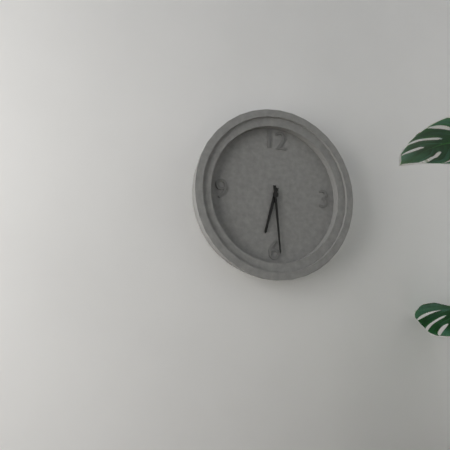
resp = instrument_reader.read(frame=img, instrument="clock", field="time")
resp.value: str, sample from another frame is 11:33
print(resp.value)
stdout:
6:29
